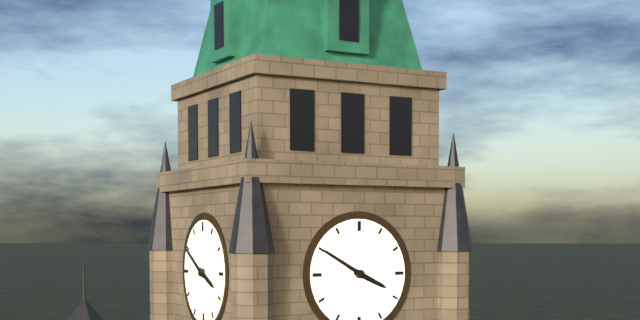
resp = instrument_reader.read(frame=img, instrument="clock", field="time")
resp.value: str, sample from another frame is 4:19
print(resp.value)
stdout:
3:50
